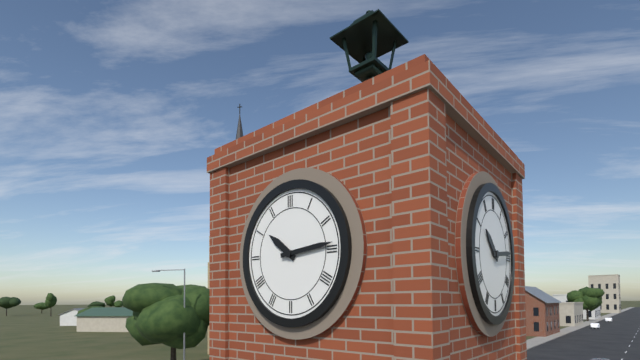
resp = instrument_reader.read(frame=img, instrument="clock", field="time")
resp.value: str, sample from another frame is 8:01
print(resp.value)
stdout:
10:14
